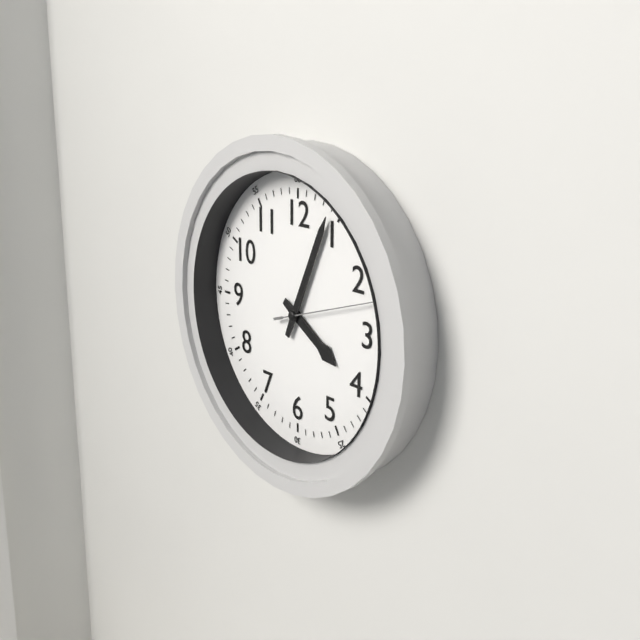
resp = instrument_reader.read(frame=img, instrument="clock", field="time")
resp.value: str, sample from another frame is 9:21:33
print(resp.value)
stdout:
4:04:12
